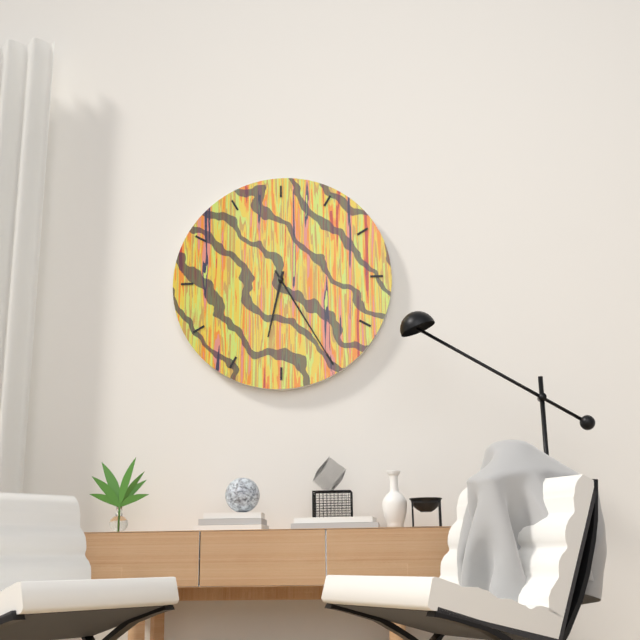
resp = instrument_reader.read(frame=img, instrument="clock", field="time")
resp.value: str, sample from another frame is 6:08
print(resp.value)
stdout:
6:25
